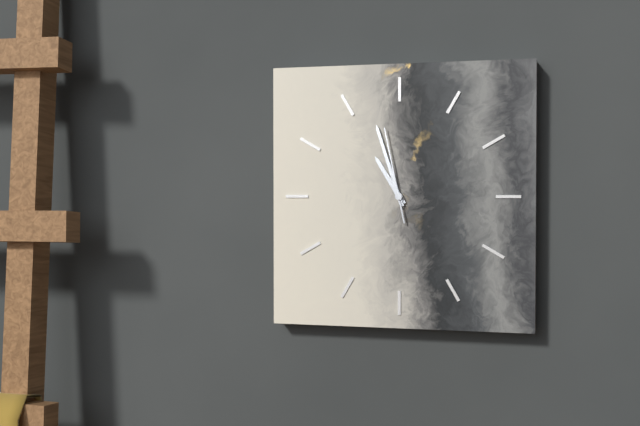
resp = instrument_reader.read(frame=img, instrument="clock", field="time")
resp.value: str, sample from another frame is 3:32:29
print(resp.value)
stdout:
10:57:58
